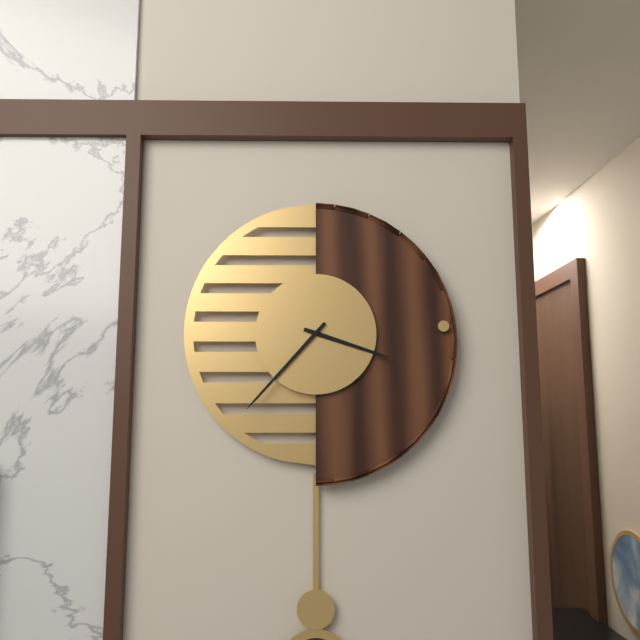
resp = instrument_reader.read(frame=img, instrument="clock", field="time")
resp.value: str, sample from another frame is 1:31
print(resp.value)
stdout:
3:37
